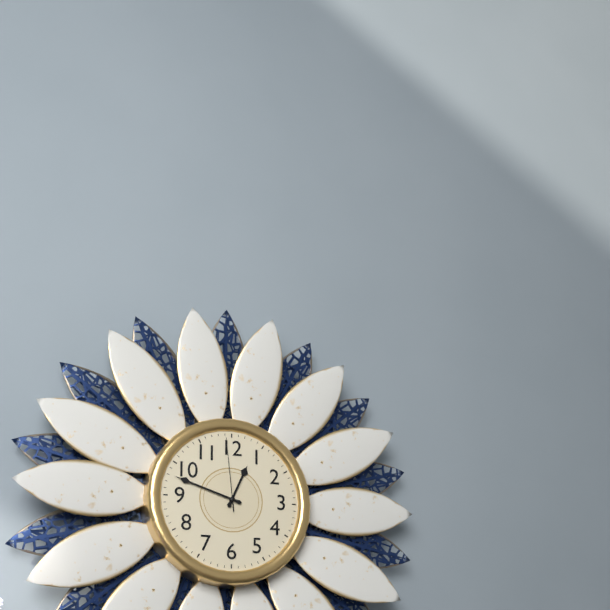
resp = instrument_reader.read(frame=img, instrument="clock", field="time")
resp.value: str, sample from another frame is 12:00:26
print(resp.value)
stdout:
12:48:59
